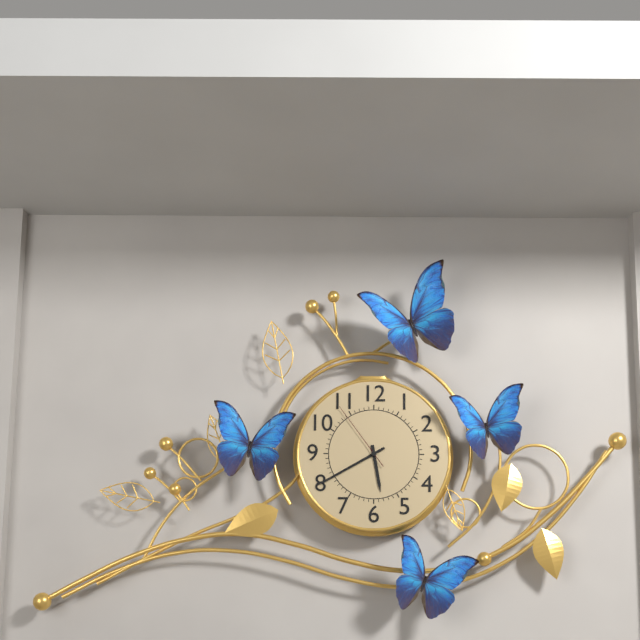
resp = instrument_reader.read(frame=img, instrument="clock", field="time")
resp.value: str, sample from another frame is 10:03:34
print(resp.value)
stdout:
5:40:54
